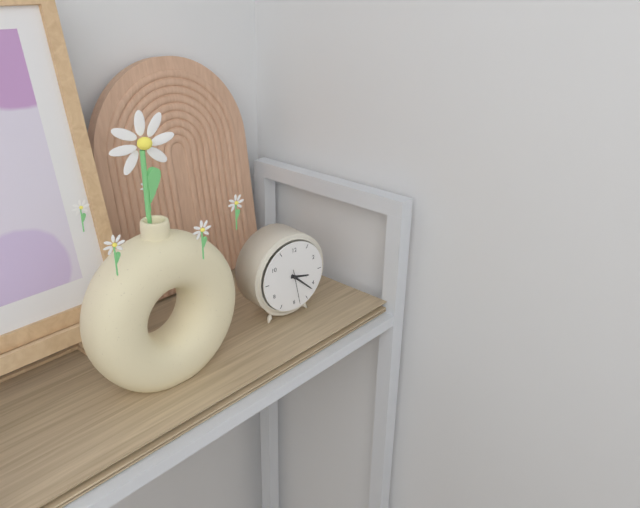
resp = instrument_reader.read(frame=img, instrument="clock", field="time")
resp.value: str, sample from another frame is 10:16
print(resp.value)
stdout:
3:22
